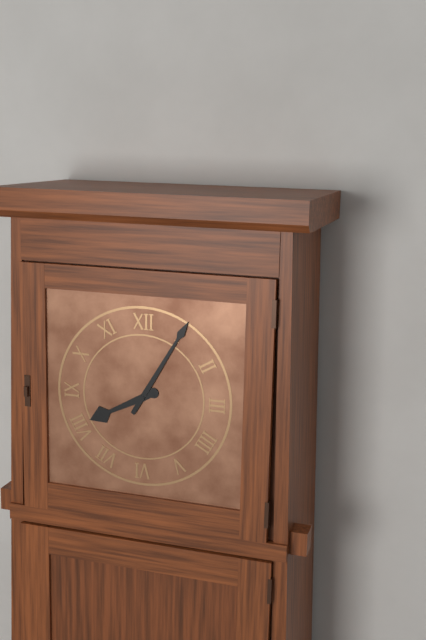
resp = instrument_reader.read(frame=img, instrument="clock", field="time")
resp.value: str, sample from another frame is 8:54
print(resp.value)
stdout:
8:05
